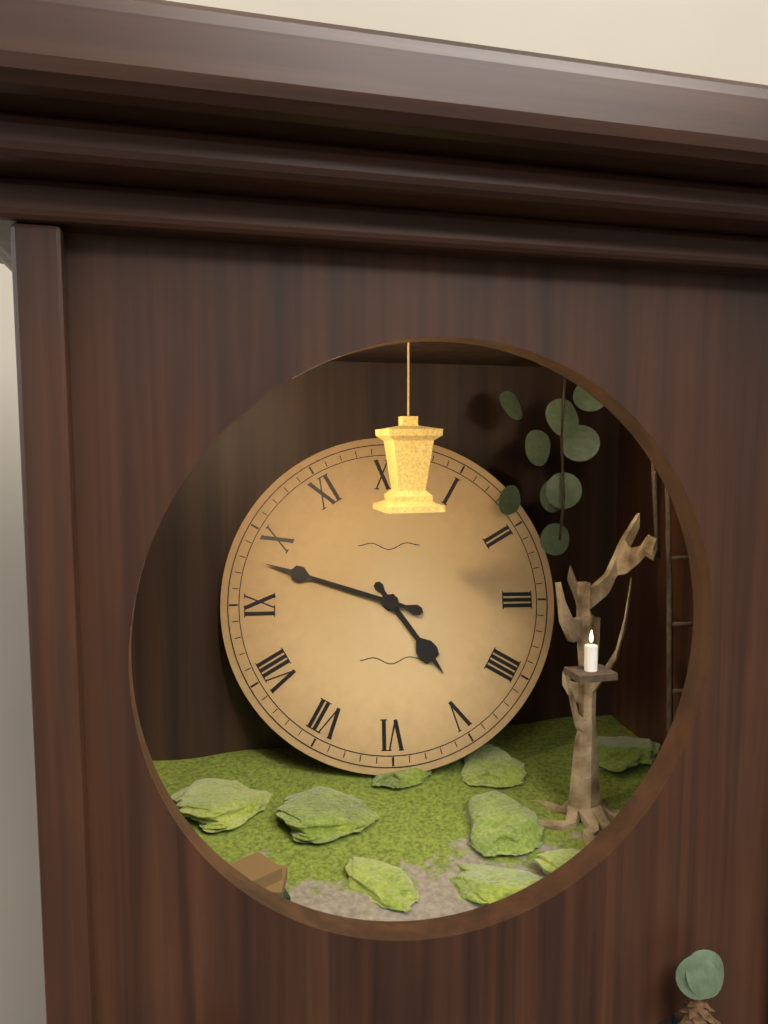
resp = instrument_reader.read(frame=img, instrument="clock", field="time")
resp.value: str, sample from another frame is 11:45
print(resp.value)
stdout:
4:48
